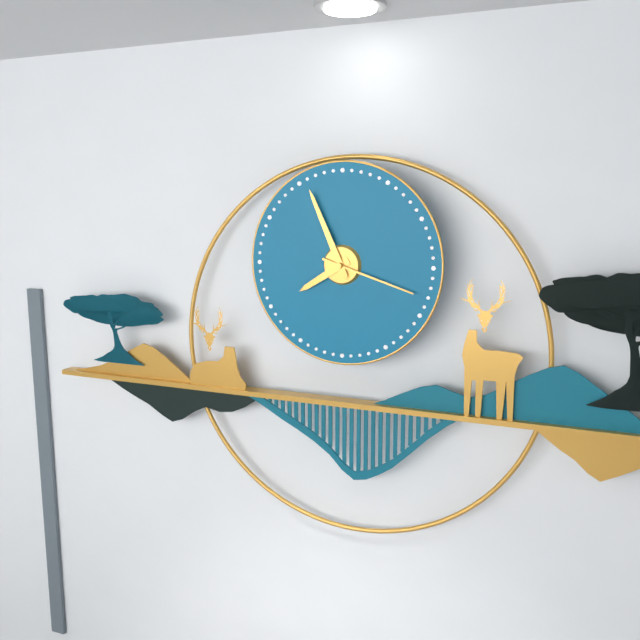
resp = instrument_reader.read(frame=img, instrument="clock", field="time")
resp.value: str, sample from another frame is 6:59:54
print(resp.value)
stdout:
7:56:18
